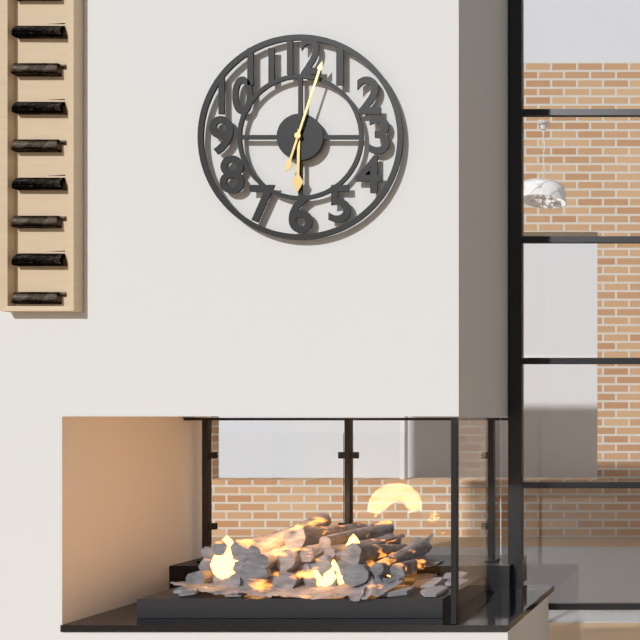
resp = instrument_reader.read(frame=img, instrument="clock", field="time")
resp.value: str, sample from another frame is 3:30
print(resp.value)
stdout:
6:03
